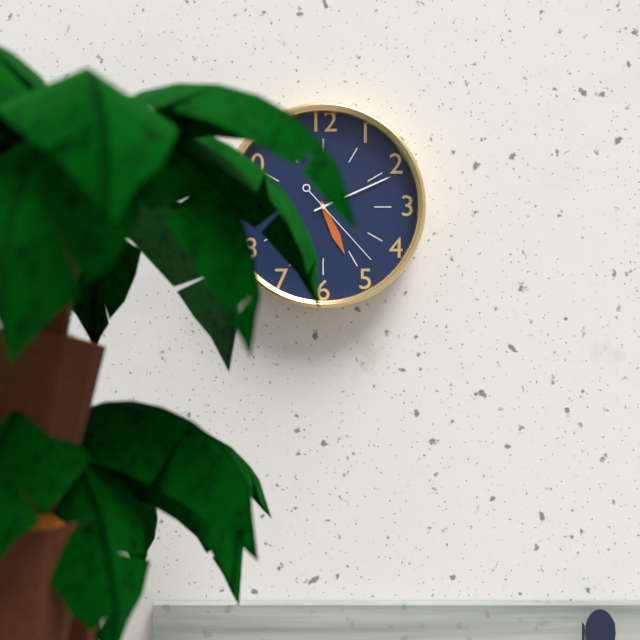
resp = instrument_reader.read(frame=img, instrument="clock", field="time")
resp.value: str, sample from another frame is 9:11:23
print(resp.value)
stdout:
5:11:23
